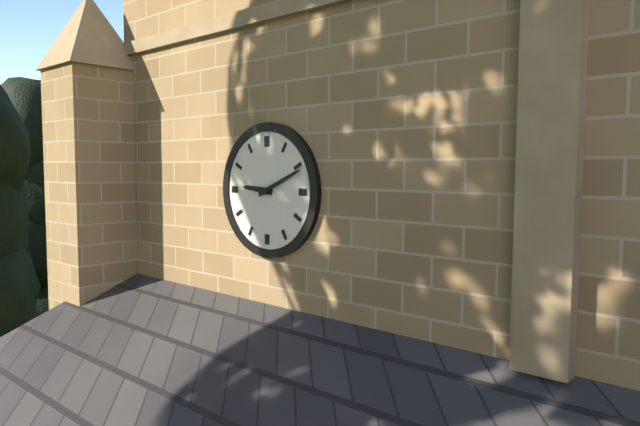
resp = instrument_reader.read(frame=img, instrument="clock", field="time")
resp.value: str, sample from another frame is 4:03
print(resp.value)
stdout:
9:11
